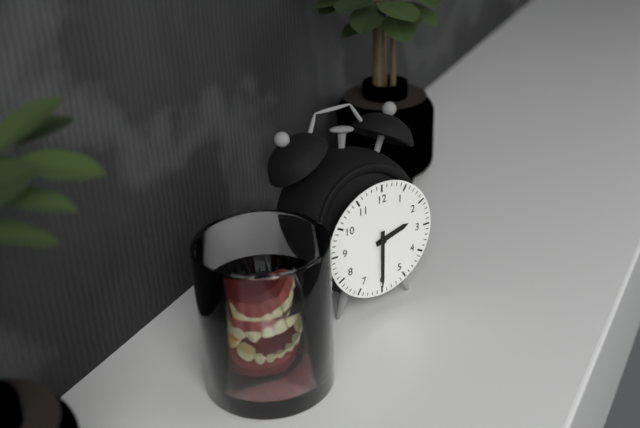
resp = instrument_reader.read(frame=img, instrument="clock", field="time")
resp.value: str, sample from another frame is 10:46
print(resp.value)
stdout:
2:30
